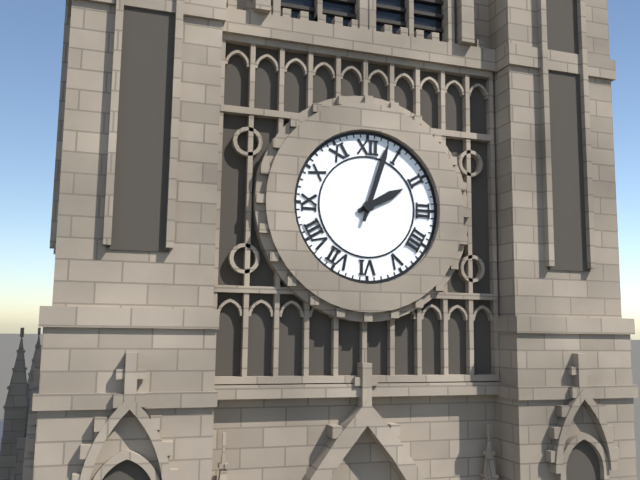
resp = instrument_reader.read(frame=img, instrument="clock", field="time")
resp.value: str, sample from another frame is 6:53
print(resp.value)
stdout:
2:03
